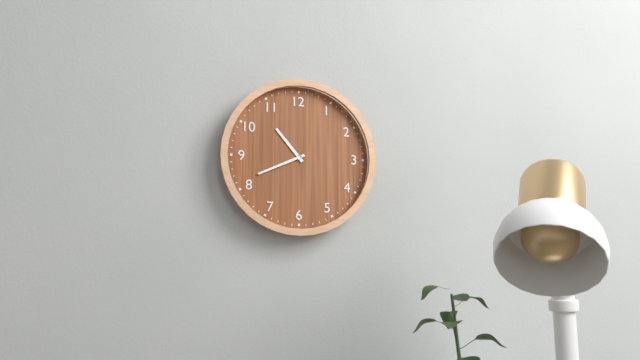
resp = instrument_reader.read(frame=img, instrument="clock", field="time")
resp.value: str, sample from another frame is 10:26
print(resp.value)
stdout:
10:41
